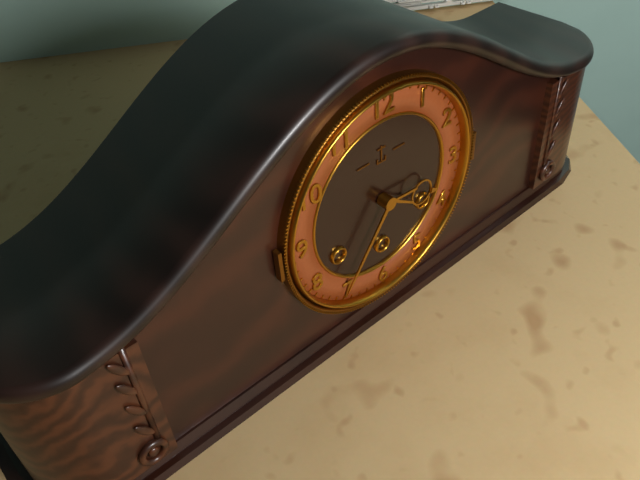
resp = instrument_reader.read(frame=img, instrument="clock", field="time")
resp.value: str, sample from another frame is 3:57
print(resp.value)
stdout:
3:36
